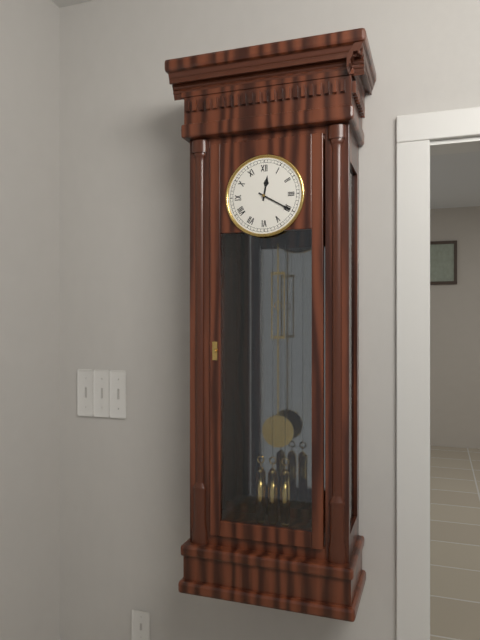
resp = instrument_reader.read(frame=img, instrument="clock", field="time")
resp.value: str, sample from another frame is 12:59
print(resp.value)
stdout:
12:20
